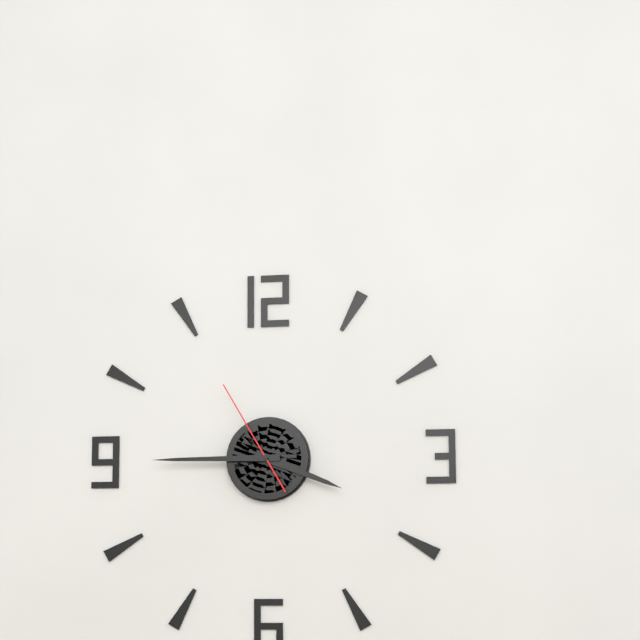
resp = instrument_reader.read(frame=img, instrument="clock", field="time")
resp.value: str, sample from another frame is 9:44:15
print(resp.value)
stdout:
3:45:55
